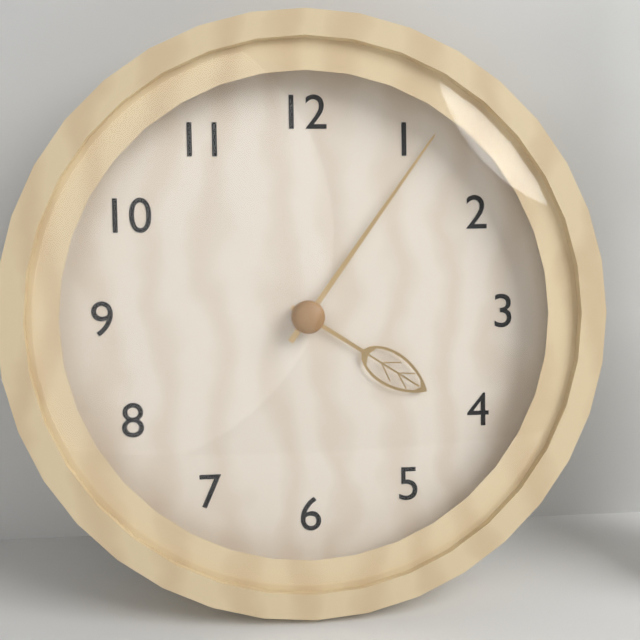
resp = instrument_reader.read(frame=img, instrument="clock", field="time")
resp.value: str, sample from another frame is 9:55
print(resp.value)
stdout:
4:06
